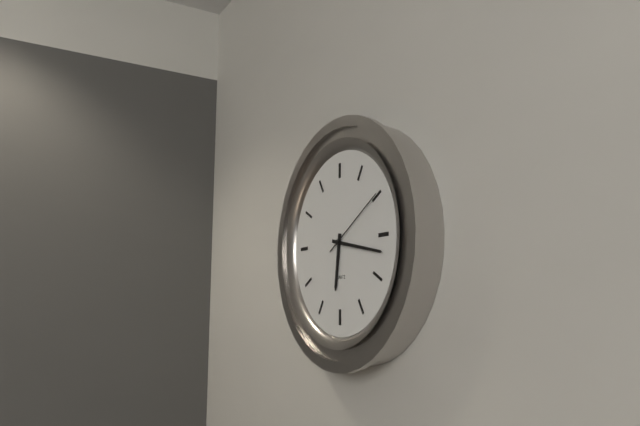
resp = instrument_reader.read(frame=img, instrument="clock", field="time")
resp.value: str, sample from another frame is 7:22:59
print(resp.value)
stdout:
6:17:10
